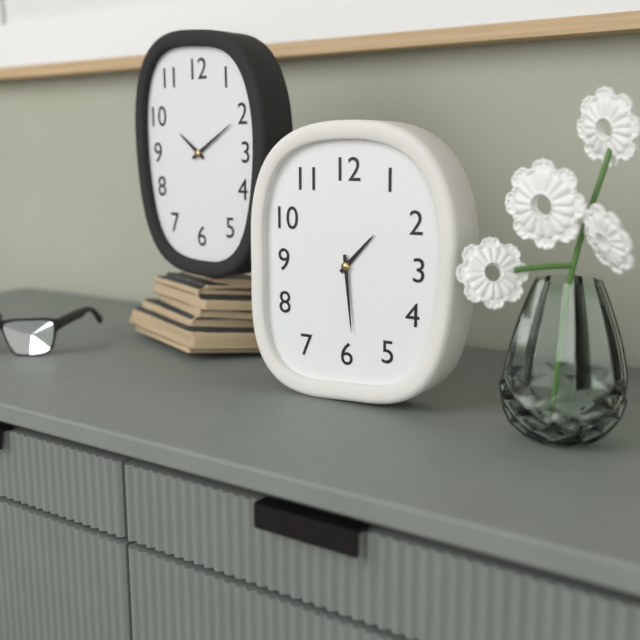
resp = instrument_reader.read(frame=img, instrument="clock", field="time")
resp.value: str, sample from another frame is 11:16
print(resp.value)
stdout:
1:29
